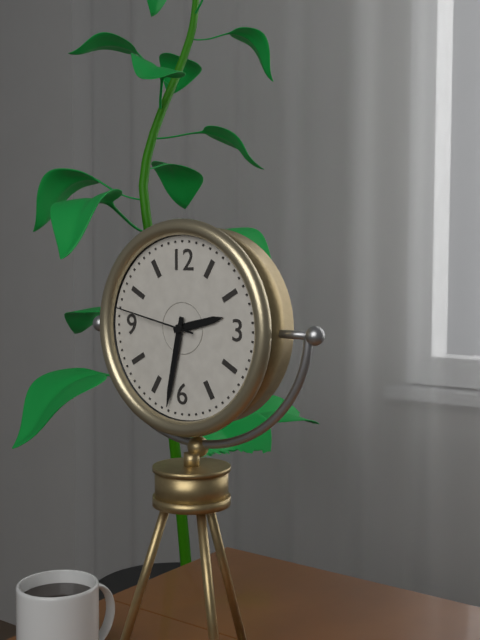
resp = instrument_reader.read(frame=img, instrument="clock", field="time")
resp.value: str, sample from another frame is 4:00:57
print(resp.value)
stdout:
2:32:47
